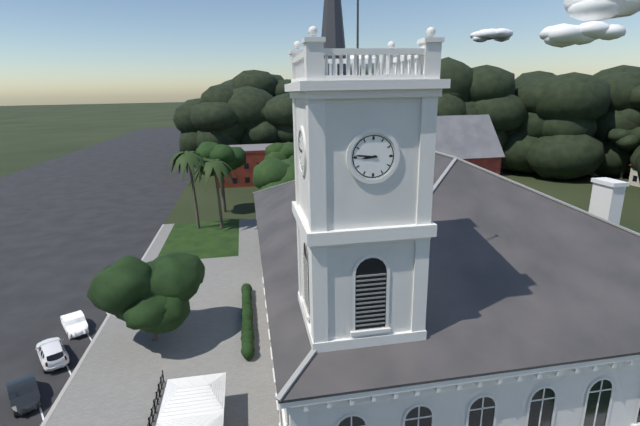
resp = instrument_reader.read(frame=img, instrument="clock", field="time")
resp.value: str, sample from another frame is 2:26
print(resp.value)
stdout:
8:46
